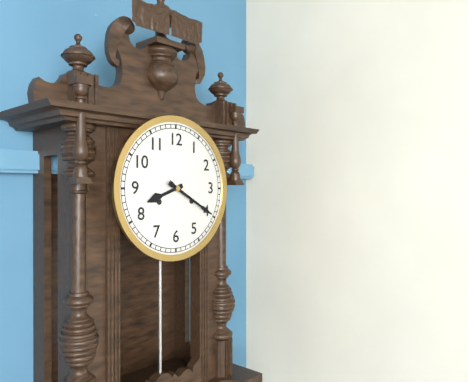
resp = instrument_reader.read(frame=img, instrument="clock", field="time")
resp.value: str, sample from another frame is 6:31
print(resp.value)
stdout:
8:20
